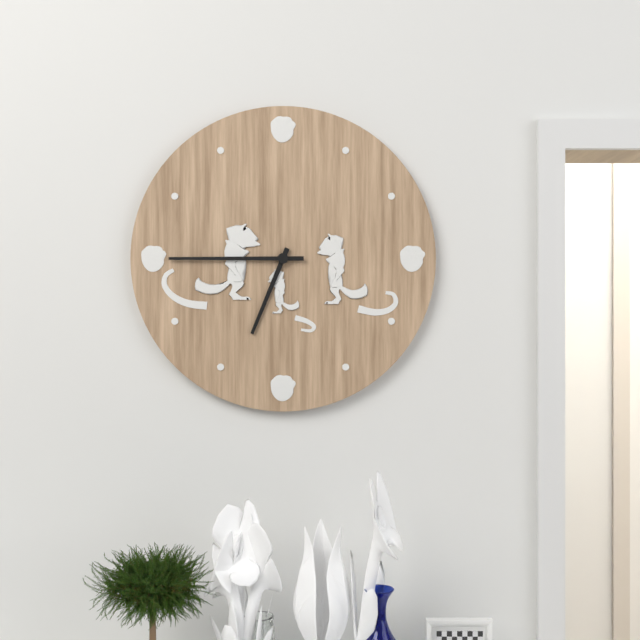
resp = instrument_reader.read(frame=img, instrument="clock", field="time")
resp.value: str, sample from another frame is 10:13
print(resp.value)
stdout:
6:45
